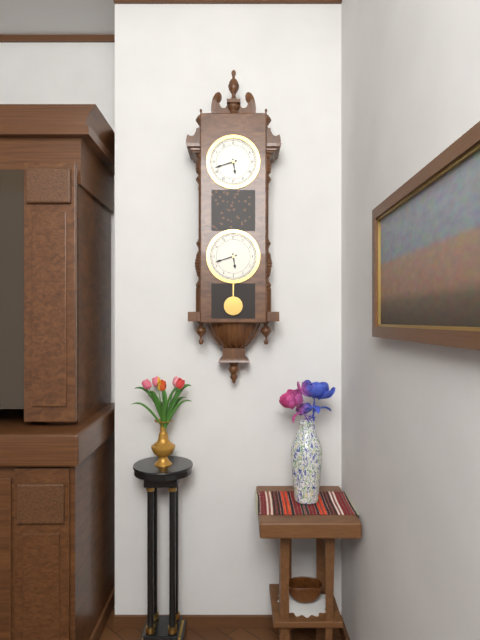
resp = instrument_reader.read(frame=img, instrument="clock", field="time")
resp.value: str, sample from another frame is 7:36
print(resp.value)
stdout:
5:42
